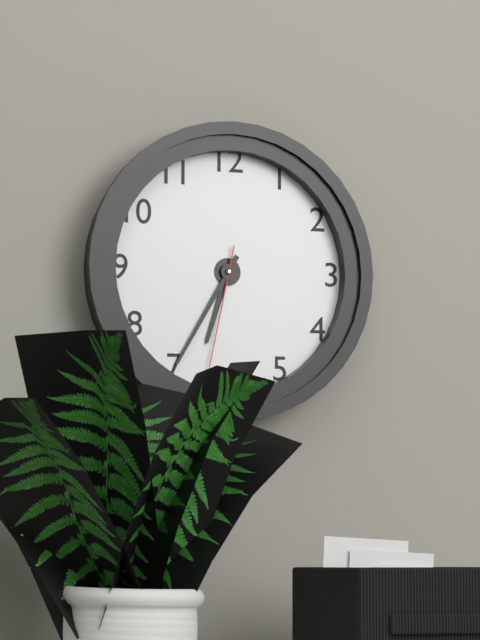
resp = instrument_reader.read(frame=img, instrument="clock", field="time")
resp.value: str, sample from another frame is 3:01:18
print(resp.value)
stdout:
6:35:32
